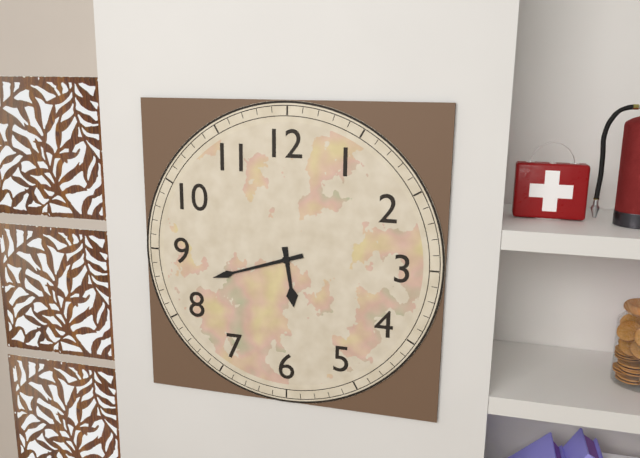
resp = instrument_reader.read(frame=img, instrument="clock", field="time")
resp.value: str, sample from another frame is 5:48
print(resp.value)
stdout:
5:42
